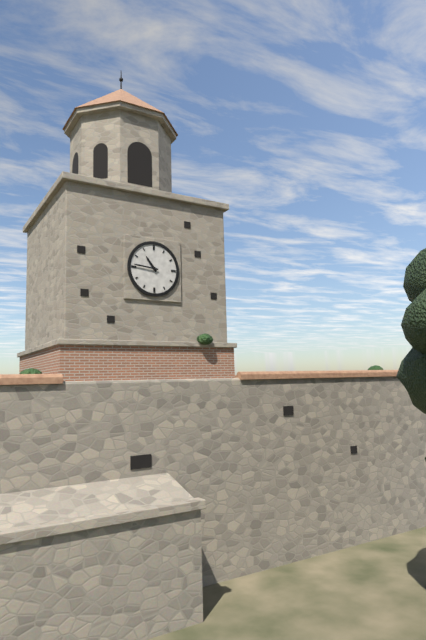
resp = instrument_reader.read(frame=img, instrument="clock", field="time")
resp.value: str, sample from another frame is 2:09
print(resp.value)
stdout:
10:46
